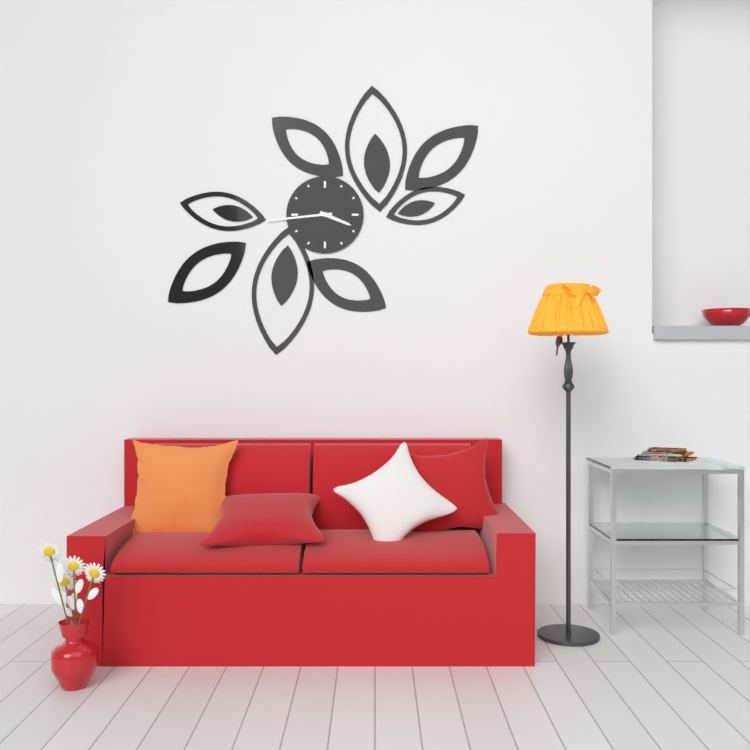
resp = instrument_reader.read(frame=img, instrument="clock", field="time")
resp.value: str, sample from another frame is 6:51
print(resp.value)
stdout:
3:44
